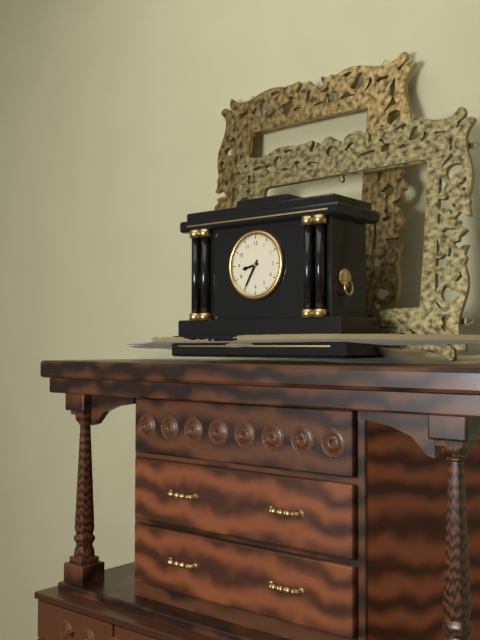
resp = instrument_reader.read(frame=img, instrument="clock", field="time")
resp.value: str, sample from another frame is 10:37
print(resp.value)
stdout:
8:35
